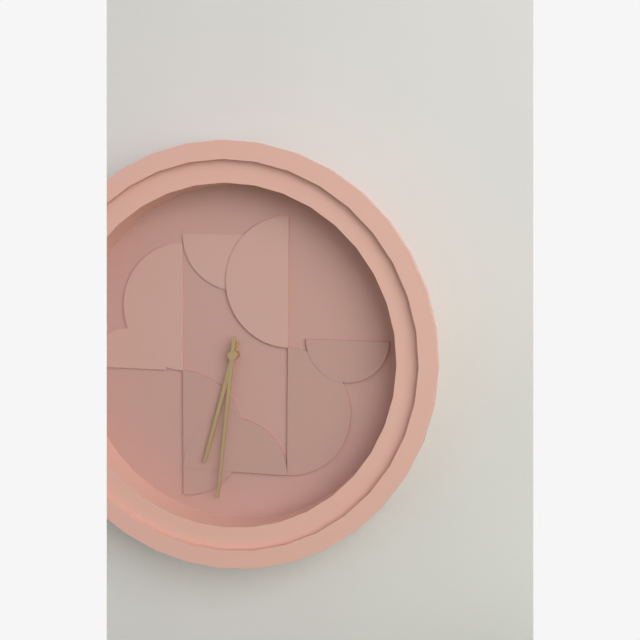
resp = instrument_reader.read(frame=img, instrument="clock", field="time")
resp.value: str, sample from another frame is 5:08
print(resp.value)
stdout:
6:31
